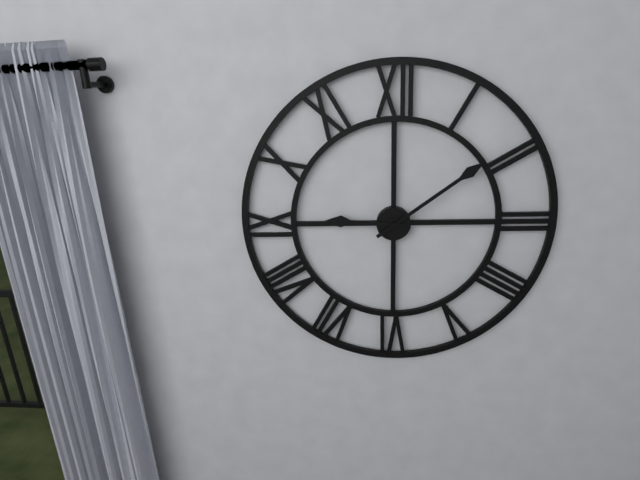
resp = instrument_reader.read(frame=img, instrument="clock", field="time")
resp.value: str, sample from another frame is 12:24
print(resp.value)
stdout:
9:09
